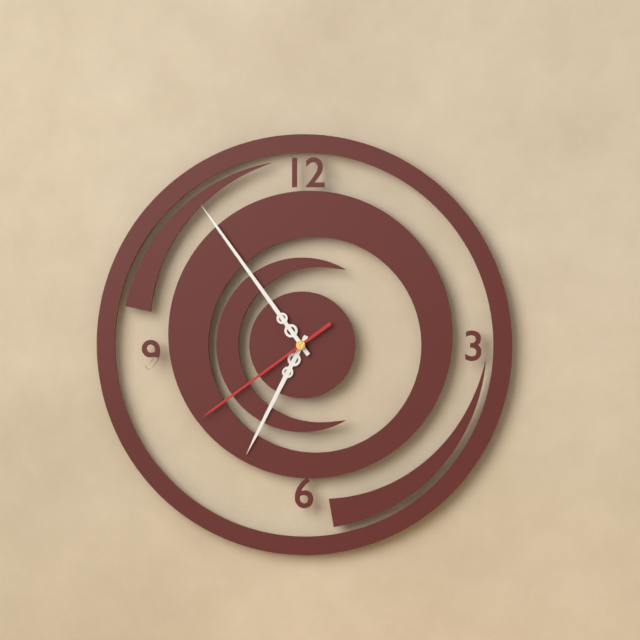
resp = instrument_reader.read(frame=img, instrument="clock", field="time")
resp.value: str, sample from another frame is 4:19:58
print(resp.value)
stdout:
6:54:39
